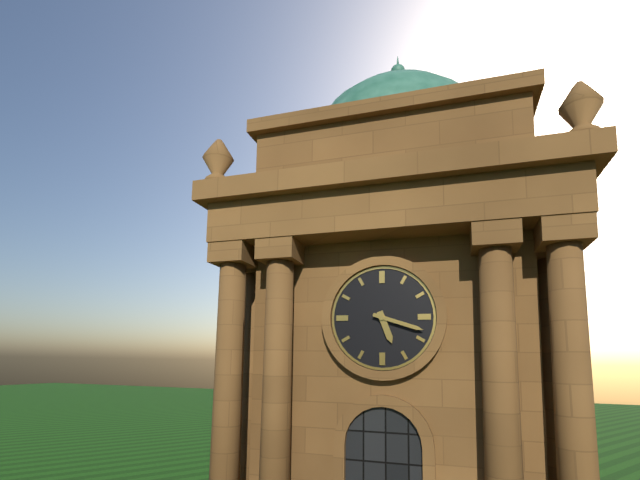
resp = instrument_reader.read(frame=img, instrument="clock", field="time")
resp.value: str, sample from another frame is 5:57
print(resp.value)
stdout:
5:18
